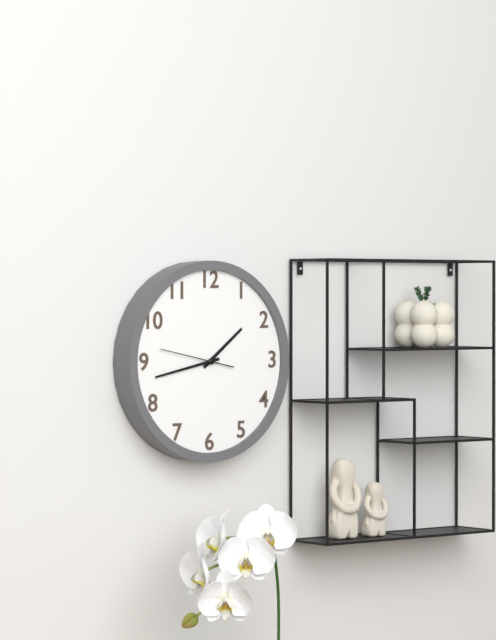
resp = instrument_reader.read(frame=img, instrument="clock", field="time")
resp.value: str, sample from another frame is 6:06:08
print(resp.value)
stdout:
1:43:47
